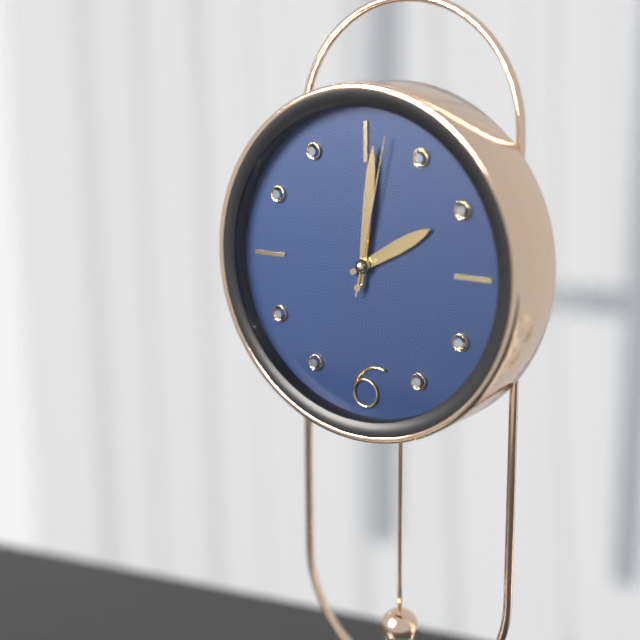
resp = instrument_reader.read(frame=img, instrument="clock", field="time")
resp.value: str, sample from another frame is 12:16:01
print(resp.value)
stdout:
2:01:02
